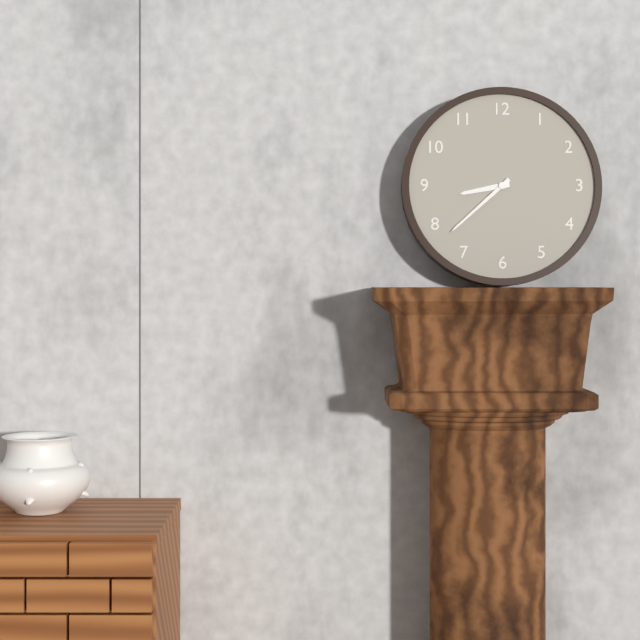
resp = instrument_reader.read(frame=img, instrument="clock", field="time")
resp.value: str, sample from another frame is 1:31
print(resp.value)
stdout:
8:38
